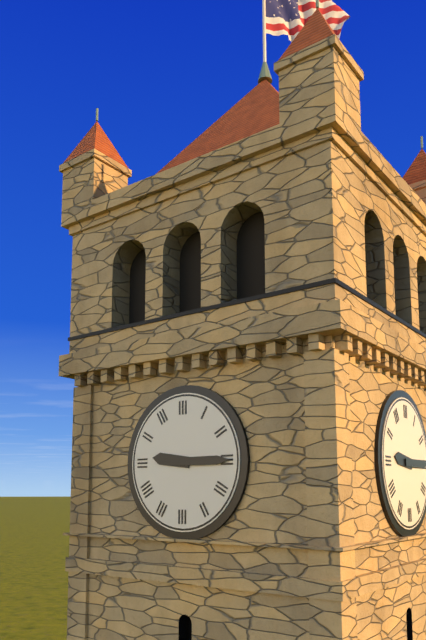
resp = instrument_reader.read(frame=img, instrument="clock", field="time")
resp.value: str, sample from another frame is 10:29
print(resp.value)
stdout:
9:15
